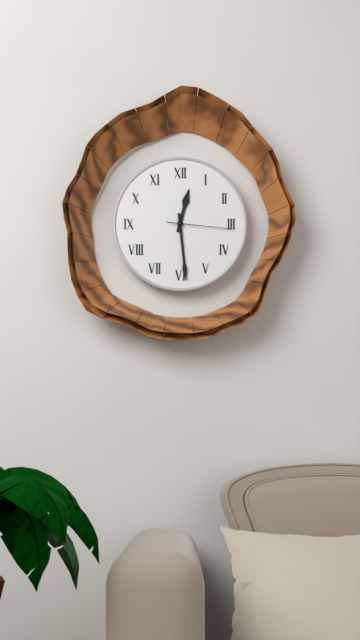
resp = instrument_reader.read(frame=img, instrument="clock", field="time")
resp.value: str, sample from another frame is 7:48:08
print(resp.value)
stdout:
12:29:16
